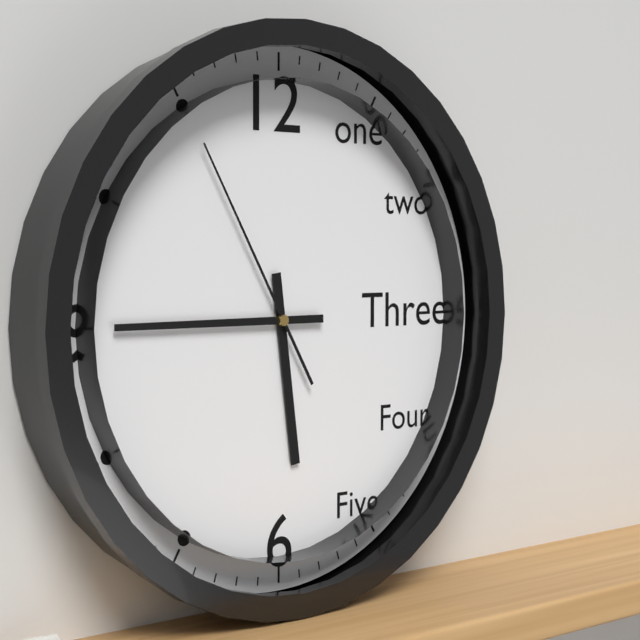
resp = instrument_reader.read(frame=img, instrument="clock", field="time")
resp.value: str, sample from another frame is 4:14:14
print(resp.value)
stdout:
5:45:55
